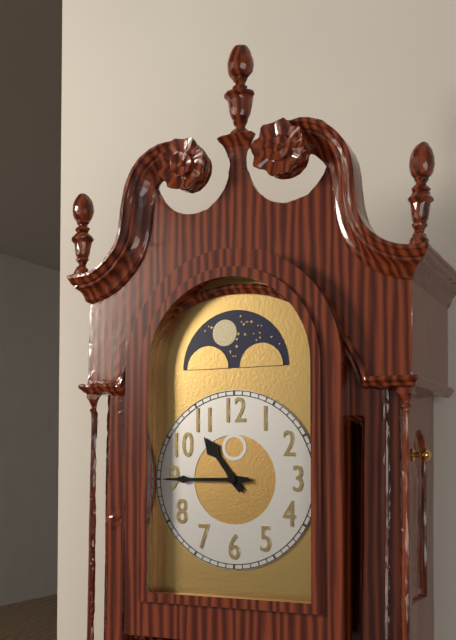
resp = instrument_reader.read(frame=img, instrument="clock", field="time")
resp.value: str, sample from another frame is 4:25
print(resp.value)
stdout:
10:45
